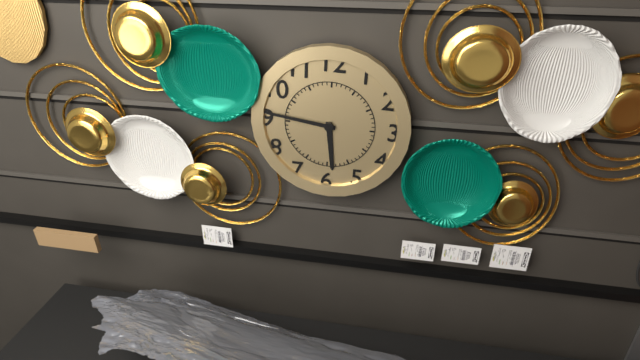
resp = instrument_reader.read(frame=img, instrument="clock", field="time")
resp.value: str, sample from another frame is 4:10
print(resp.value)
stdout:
5:46
